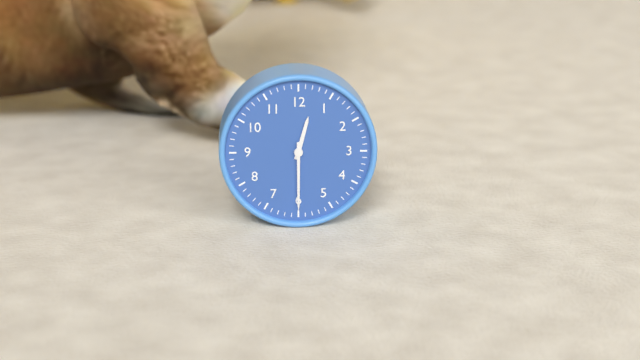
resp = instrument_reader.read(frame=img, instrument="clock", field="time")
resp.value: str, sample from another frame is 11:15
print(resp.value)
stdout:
12:30
